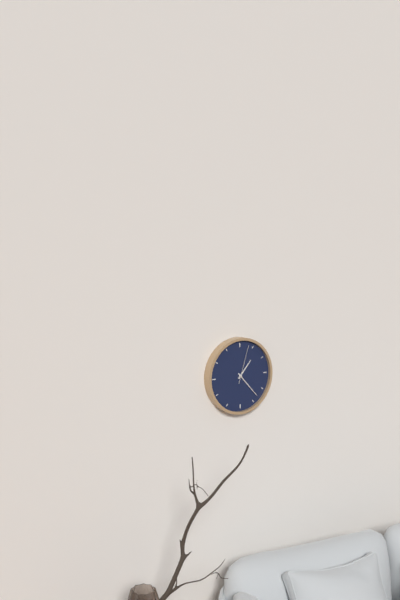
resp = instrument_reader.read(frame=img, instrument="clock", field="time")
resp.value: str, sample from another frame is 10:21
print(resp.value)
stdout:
1:23
